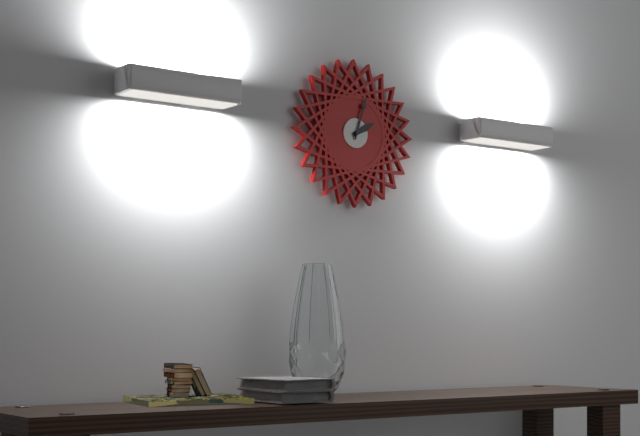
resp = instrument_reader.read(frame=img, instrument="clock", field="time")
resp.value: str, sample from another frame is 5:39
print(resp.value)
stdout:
2:03
